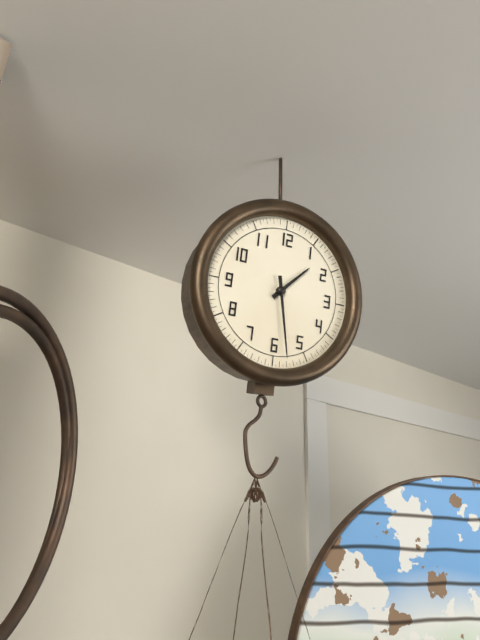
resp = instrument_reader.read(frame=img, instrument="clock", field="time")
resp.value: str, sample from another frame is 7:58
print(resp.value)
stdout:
1:28
